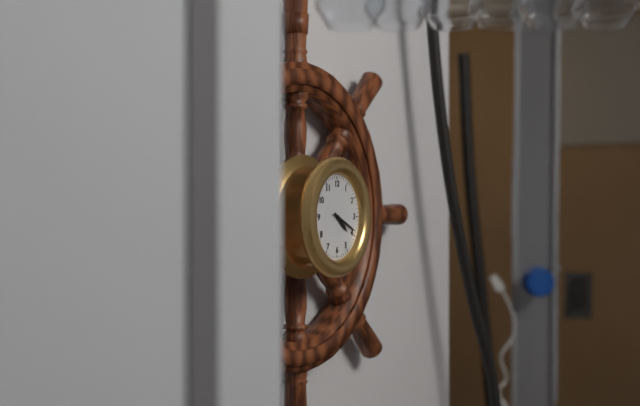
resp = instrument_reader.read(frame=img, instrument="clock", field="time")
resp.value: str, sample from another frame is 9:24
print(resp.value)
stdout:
4:19
